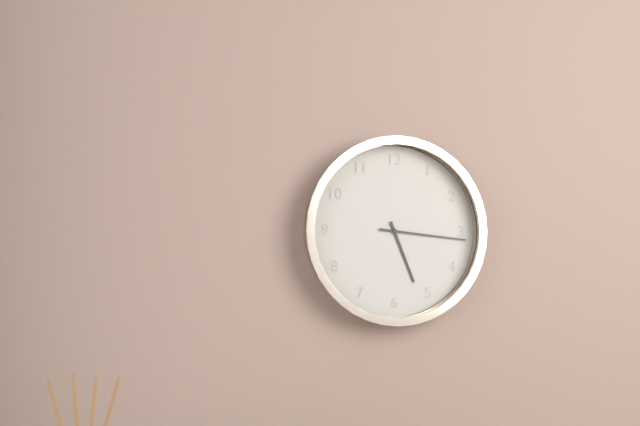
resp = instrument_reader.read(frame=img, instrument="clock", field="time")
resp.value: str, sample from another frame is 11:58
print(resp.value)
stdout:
5:16
